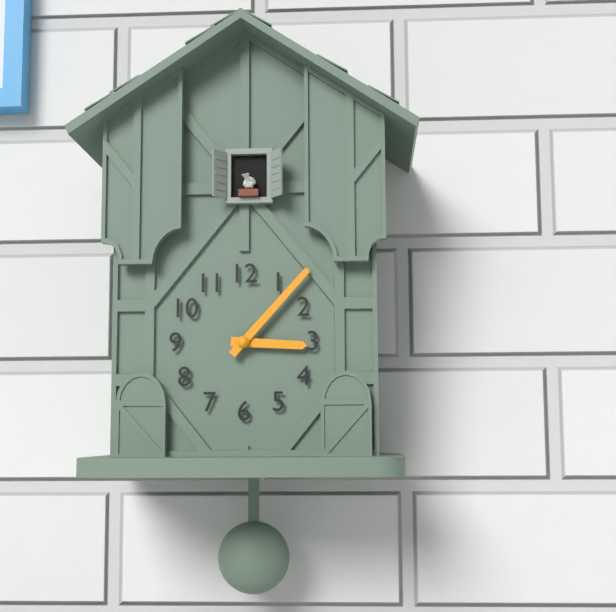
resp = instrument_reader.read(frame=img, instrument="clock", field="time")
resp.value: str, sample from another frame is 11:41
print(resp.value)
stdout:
3:07
